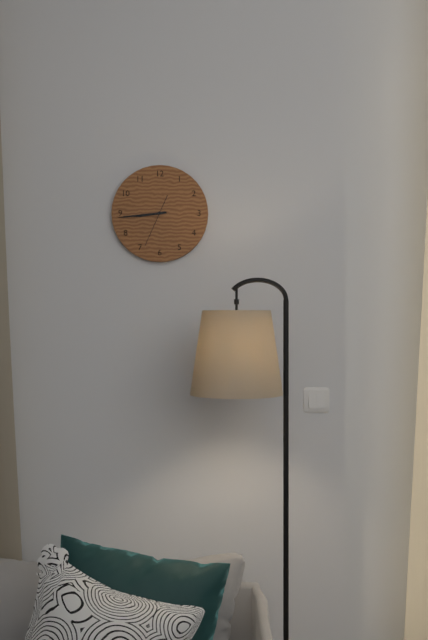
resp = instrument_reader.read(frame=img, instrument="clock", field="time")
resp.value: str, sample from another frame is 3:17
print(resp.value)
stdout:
8:44
